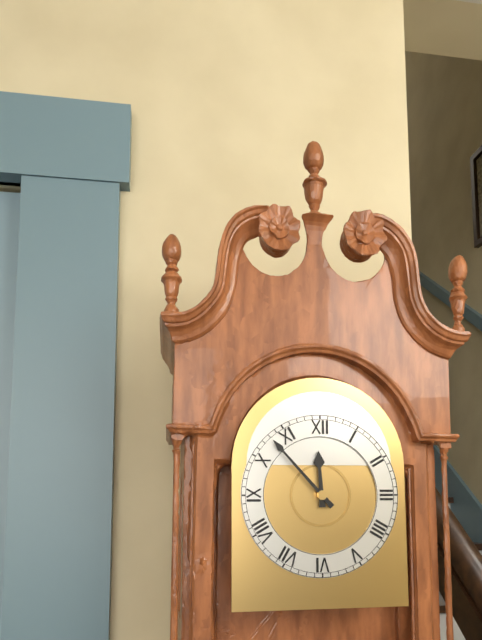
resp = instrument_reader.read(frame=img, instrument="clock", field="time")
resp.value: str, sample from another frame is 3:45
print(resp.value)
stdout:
11:53
